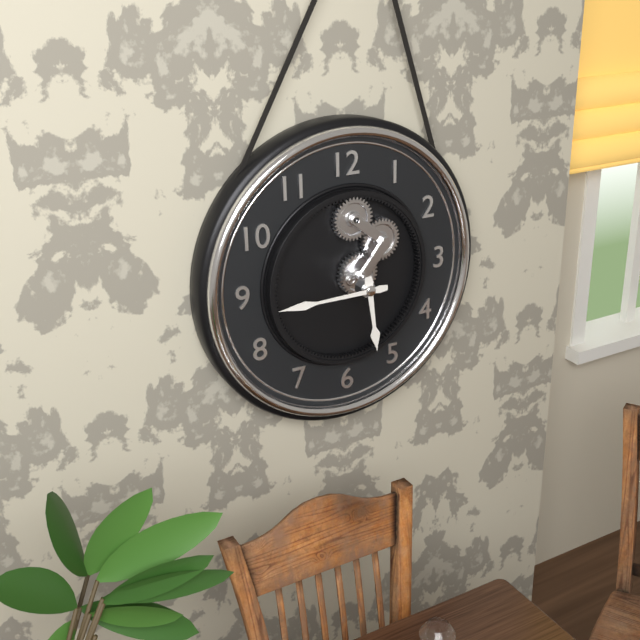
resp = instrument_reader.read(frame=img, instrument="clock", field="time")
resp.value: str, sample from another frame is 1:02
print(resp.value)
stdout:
5:45
